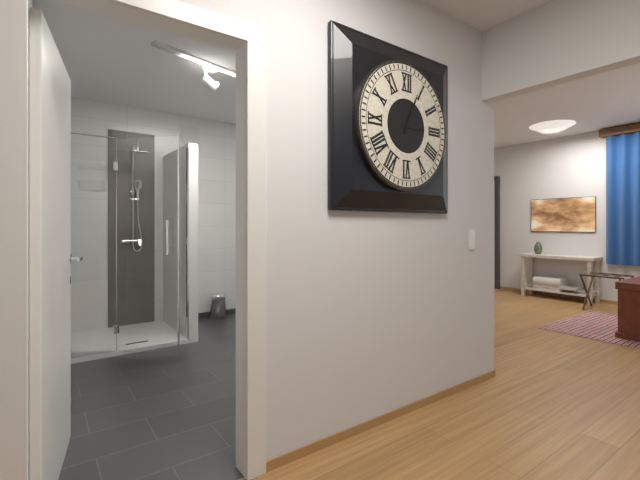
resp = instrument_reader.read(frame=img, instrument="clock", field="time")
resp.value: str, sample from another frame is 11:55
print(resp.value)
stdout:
3:04
